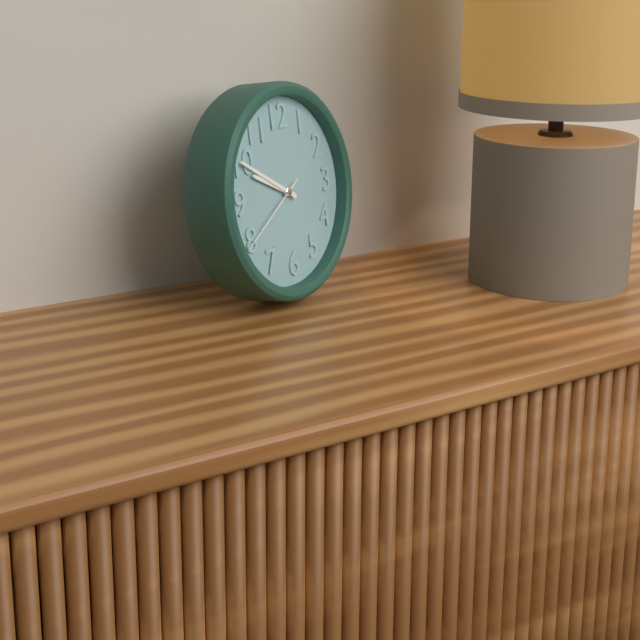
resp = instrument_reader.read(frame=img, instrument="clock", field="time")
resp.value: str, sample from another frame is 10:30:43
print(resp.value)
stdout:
9:50:40
